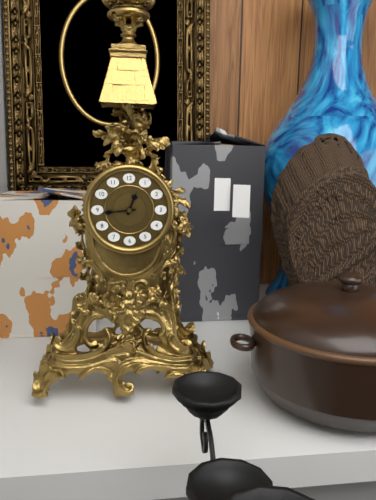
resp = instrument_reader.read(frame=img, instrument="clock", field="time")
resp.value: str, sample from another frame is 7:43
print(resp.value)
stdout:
12:44
